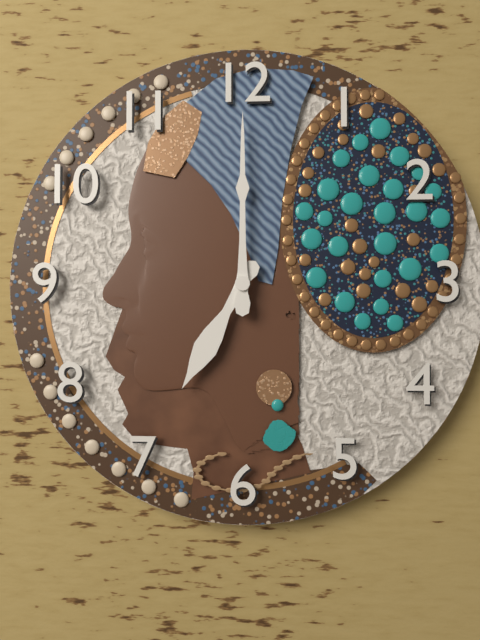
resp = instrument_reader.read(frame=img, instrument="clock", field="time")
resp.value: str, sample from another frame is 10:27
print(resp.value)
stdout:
7:00
